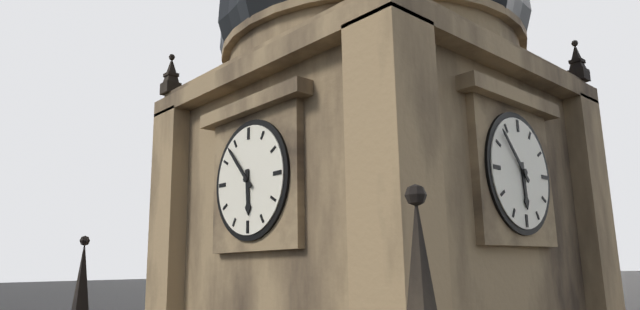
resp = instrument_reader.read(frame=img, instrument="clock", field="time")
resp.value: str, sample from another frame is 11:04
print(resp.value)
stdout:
5:53
